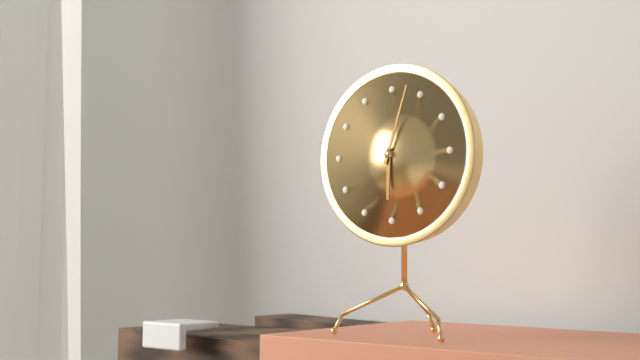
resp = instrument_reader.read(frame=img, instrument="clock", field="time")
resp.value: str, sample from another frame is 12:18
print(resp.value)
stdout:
6:03
